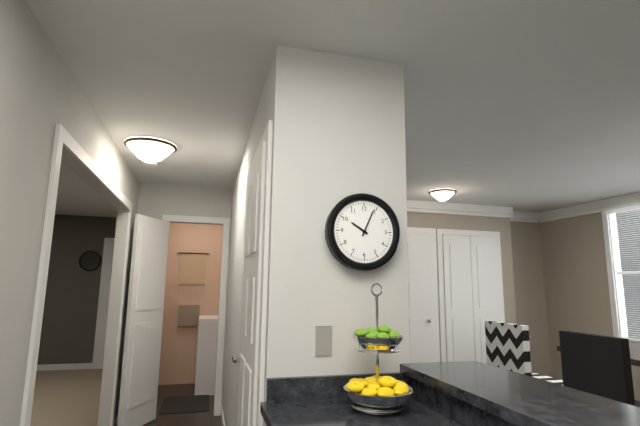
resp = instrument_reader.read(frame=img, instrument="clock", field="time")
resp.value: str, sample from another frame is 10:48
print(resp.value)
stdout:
10:04
